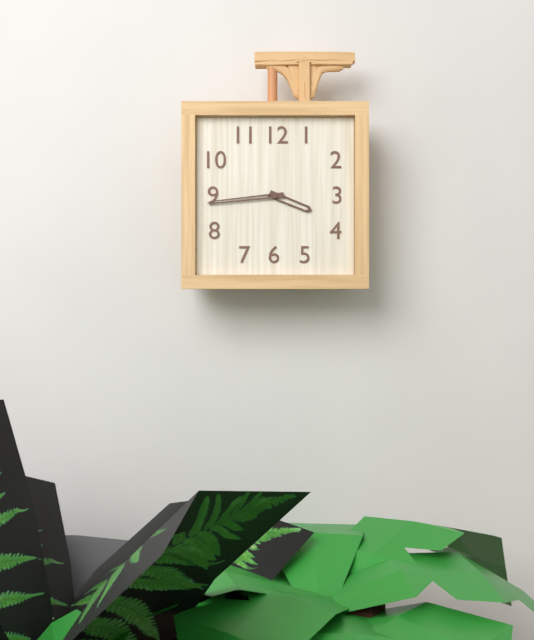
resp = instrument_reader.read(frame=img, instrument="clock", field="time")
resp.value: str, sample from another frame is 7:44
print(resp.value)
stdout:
3:44
